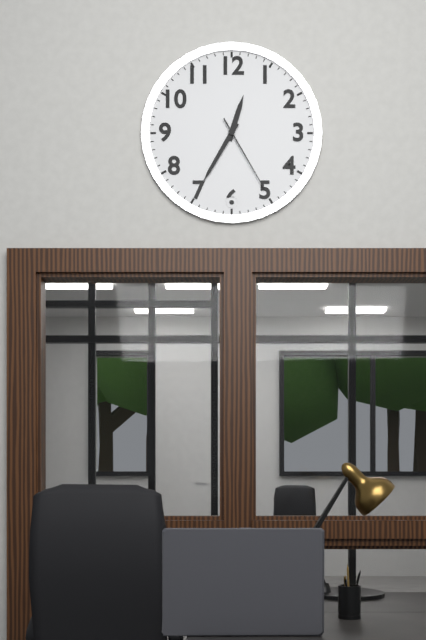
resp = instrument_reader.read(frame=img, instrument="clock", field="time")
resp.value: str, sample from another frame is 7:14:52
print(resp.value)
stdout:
12:35:25
